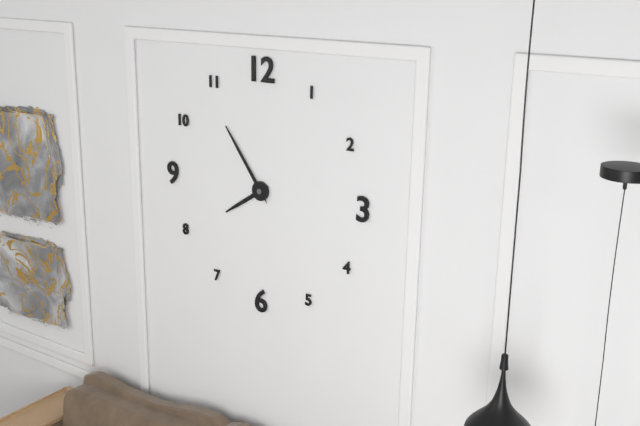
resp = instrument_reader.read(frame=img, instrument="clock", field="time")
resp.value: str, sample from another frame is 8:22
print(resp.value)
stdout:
7:54
